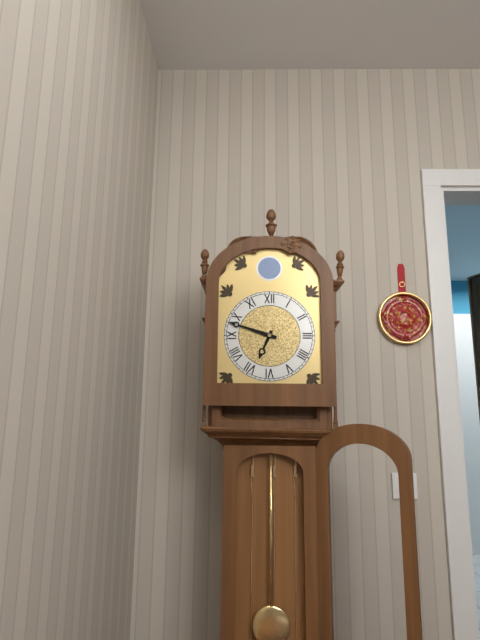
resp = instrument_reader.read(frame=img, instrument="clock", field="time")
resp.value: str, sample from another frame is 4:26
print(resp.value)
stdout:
6:48
